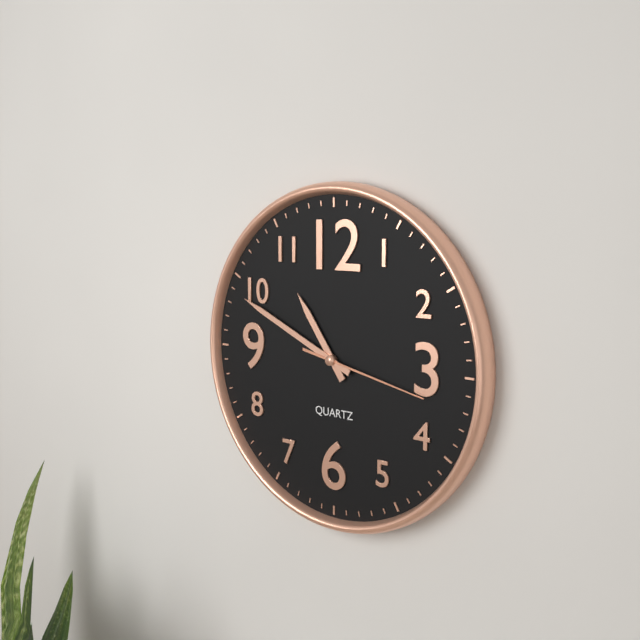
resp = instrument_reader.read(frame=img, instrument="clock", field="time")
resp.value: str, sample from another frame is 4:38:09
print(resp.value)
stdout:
10:49:17
